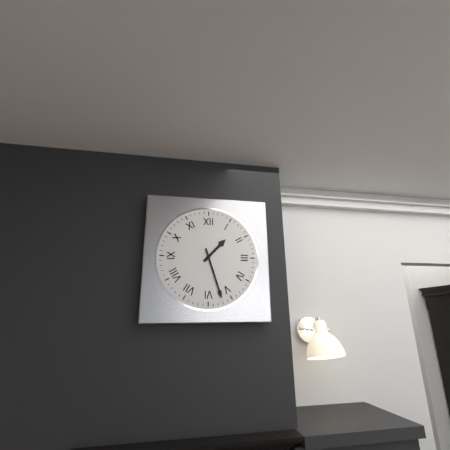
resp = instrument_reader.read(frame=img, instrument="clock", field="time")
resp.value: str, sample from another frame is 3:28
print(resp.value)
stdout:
1:27
